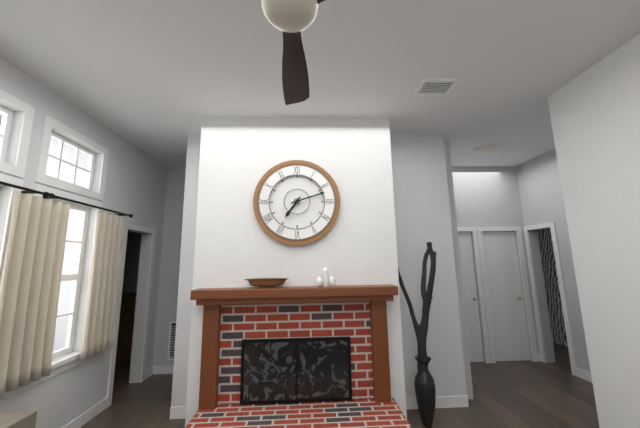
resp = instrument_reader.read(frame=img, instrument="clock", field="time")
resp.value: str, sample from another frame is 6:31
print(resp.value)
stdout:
7:12
